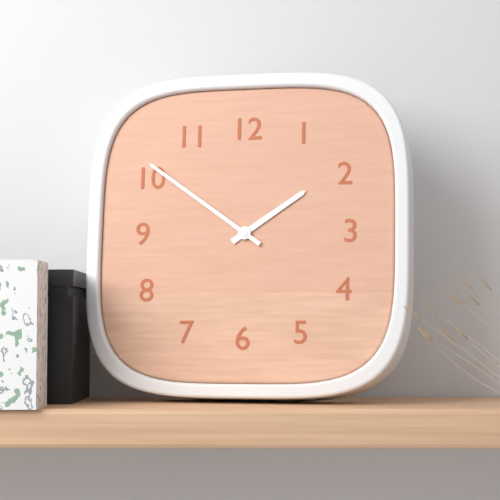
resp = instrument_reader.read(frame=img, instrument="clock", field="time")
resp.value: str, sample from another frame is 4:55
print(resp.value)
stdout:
1:51
